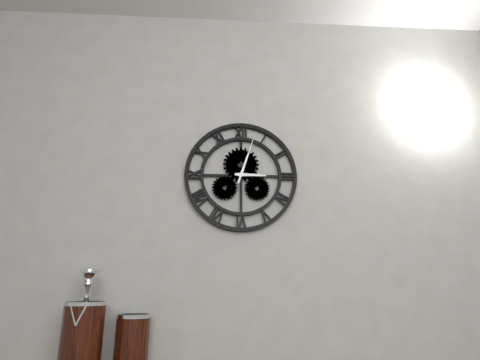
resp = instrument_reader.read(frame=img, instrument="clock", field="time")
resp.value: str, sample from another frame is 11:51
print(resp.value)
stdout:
3:03
